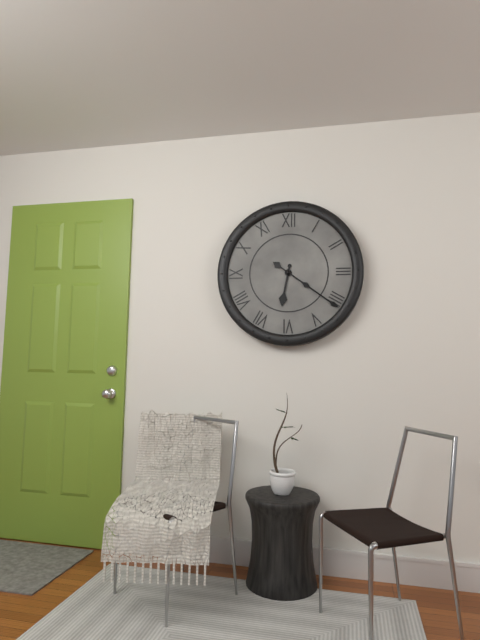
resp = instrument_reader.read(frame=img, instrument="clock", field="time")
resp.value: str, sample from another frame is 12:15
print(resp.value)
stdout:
6:21
